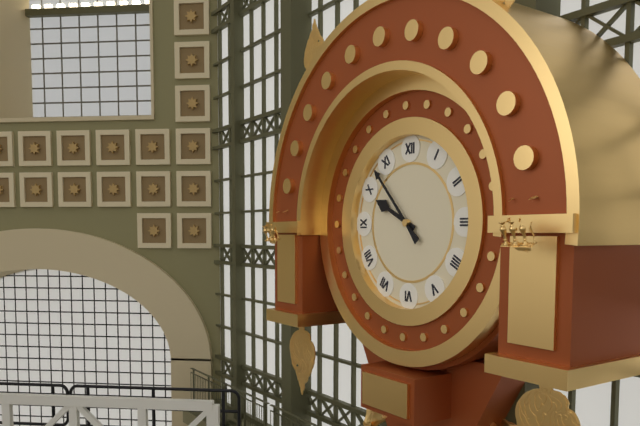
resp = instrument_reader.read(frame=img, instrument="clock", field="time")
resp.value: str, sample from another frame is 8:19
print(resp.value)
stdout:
9:53
